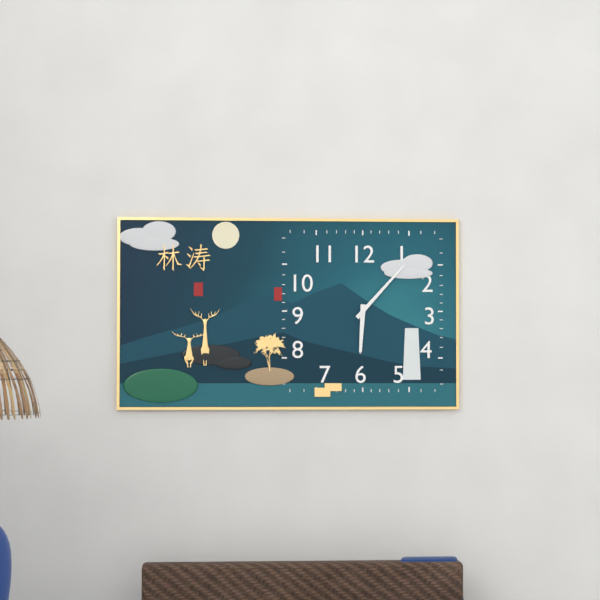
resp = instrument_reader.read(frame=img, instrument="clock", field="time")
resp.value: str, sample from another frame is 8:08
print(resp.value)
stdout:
6:07
